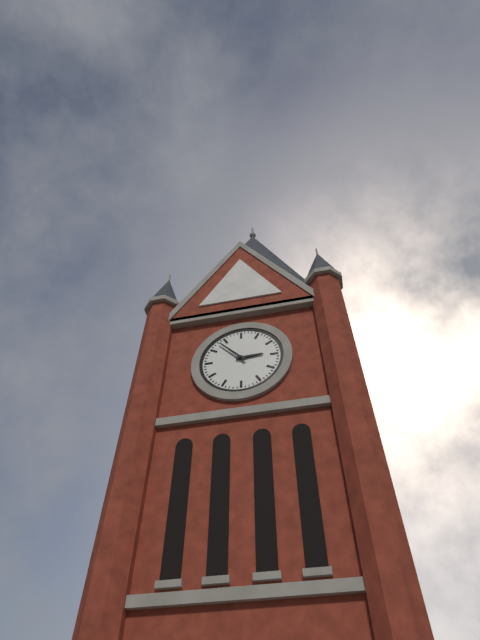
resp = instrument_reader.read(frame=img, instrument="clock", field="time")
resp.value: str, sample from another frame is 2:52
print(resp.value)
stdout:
2:53
